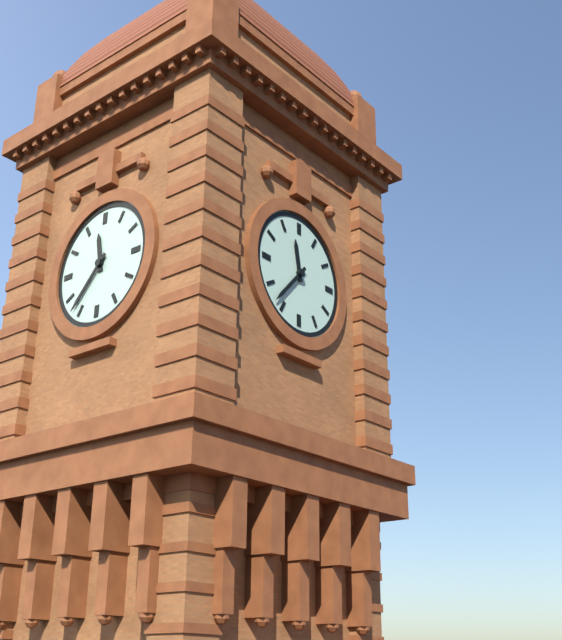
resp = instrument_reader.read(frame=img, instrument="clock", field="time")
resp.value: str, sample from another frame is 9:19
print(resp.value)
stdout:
11:37
